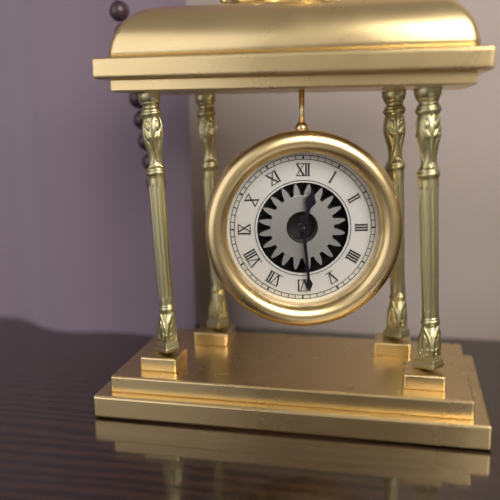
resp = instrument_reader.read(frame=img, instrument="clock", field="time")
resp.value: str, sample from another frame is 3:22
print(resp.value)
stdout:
12:29
